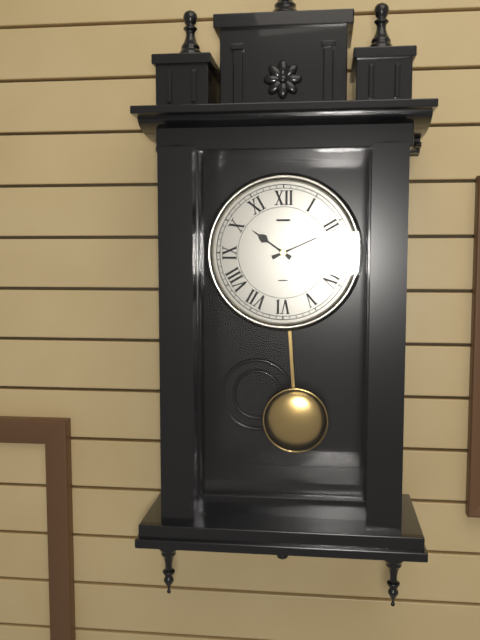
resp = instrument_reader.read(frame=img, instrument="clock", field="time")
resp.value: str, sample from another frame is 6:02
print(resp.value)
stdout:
10:11
